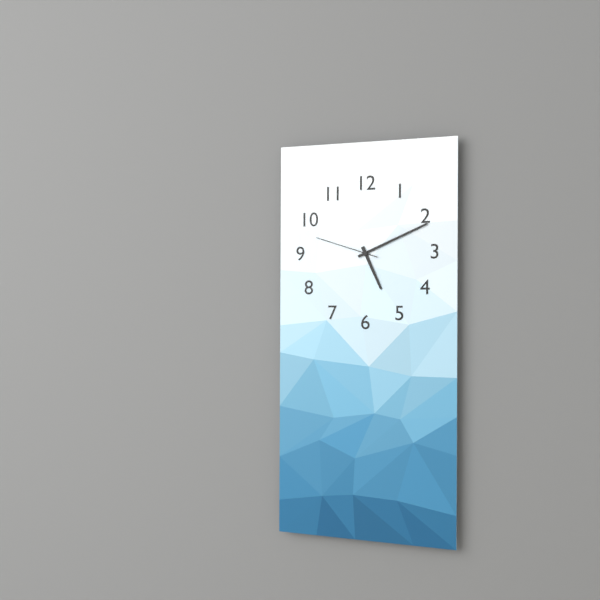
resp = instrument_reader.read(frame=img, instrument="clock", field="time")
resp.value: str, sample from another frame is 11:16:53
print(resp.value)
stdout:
5:11:48
